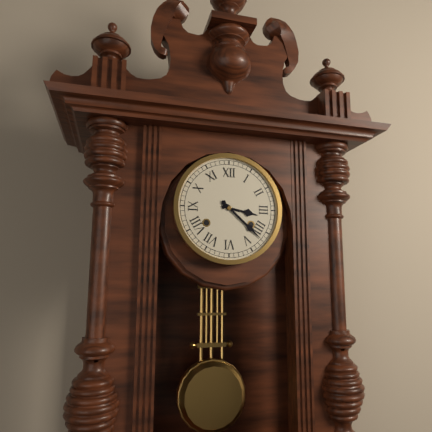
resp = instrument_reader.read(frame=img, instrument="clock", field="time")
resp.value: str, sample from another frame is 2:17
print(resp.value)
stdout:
3:22
